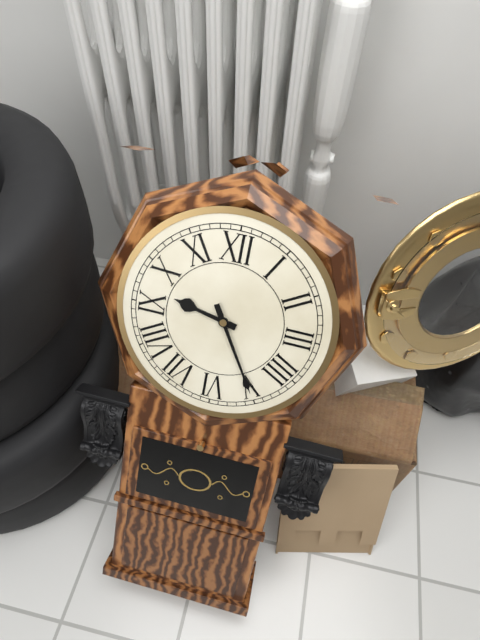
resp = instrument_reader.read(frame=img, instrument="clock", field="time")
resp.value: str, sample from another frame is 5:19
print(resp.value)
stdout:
9:25
